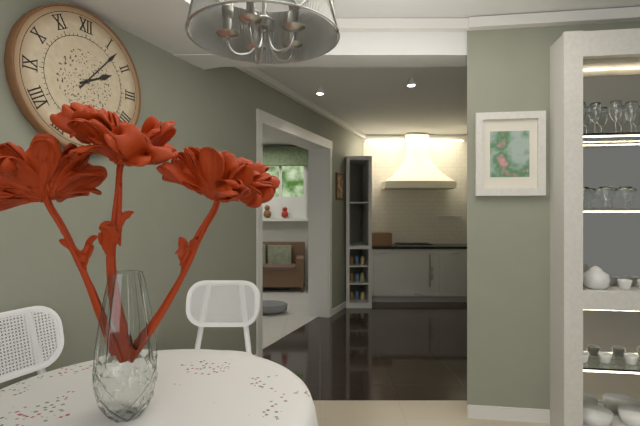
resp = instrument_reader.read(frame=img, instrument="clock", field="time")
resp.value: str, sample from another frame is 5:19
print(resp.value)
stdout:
2:07
